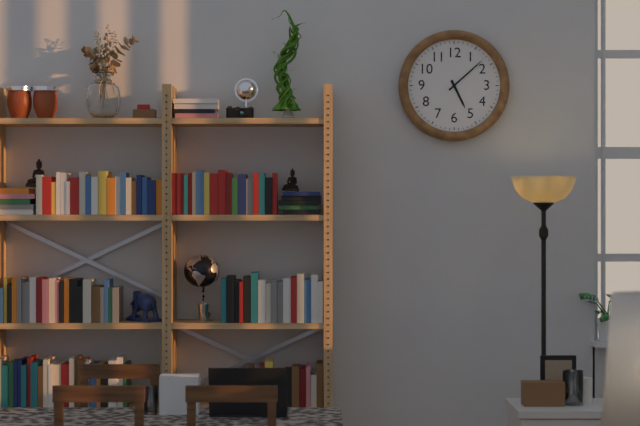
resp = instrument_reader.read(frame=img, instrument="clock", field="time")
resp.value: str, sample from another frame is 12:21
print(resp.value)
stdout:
5:08
